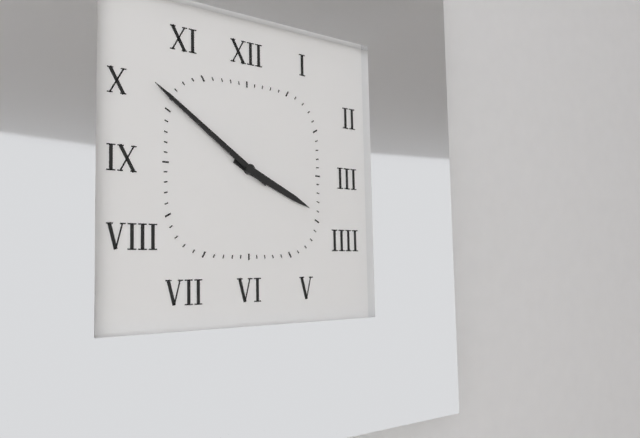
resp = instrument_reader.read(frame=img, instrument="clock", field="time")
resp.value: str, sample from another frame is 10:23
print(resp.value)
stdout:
3:51
